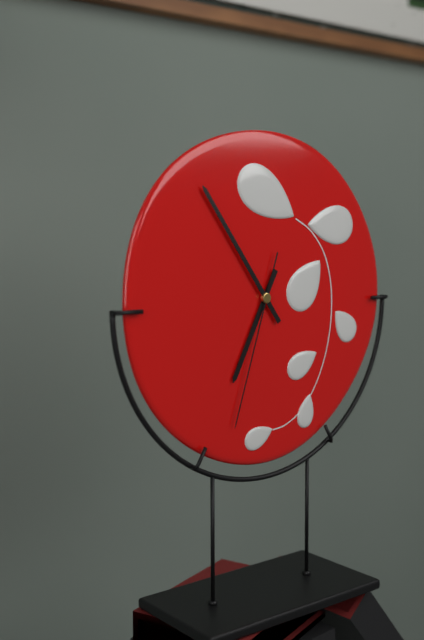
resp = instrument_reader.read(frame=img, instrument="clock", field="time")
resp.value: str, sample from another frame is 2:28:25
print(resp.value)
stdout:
6:54:33
